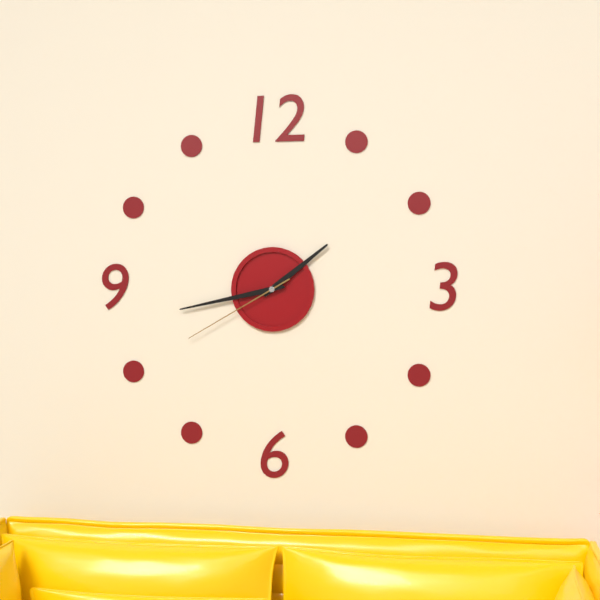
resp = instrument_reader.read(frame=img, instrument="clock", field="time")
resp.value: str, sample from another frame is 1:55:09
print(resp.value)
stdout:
1:43:40
